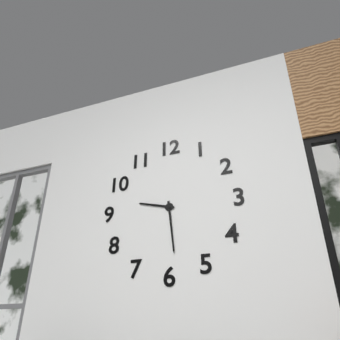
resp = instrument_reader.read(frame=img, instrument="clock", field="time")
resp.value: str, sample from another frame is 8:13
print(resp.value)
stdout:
9:29
